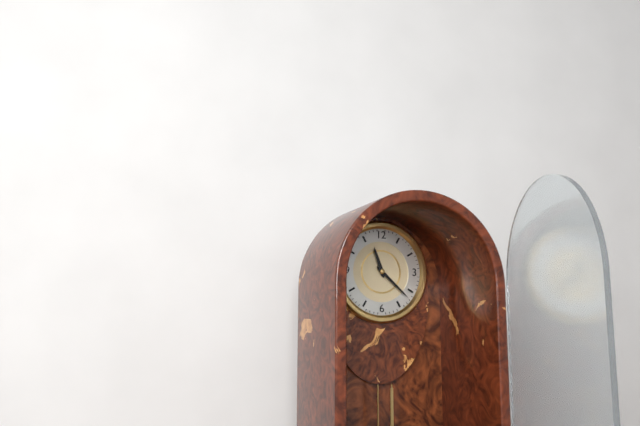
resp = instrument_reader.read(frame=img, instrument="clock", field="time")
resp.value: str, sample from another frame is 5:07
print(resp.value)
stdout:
11:22
